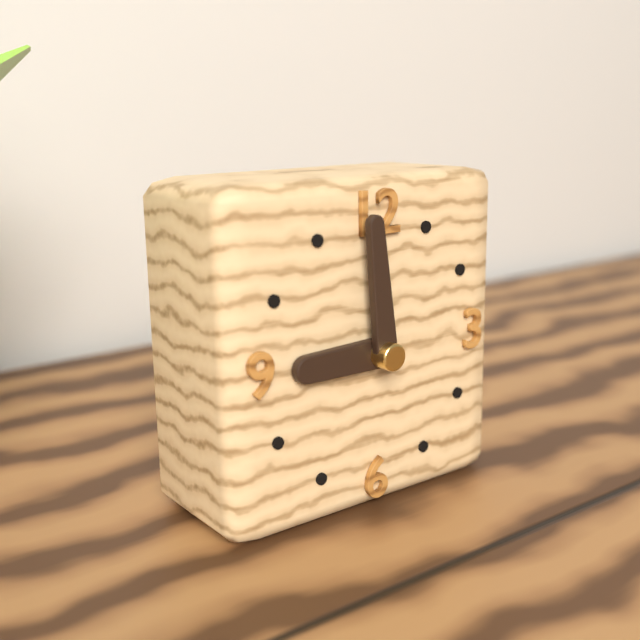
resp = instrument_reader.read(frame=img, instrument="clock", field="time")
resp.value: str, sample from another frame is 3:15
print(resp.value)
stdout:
8:59
